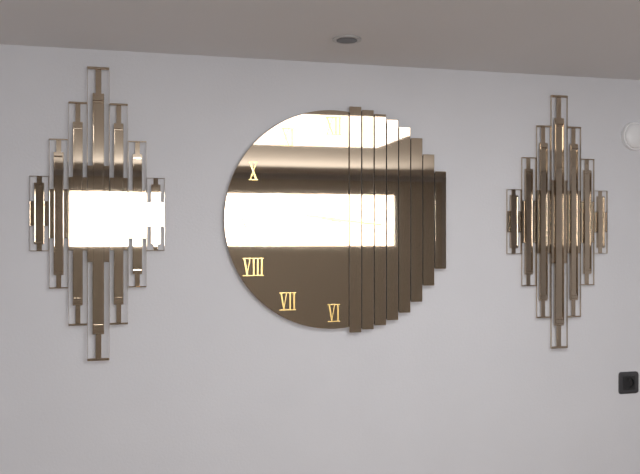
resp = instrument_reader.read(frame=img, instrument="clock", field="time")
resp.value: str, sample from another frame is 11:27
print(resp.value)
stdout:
9:16
